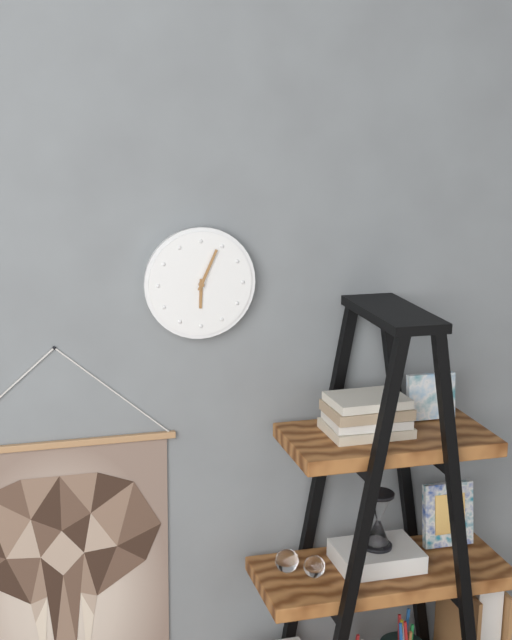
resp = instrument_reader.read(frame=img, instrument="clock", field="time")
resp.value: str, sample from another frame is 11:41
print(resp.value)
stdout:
6:04
